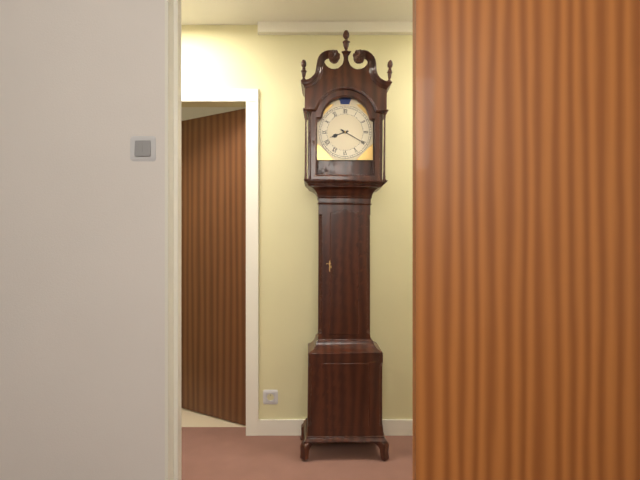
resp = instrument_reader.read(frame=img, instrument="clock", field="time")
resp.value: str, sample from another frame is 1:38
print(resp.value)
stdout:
8:20
